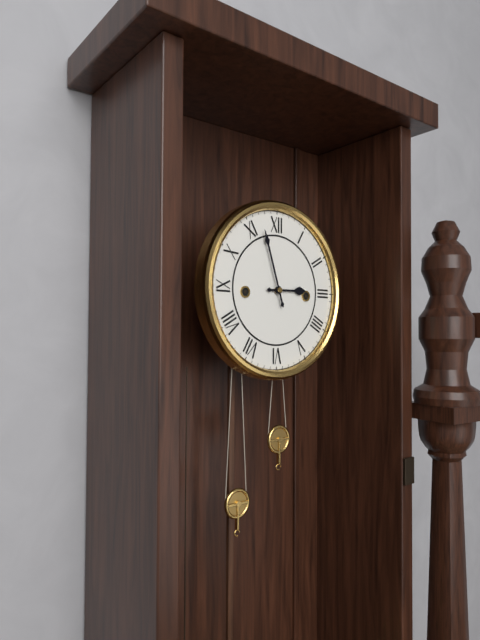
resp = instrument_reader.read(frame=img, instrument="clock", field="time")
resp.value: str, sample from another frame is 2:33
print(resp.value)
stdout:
2:57
